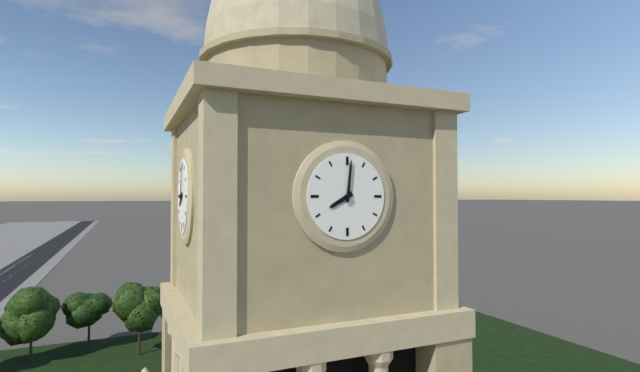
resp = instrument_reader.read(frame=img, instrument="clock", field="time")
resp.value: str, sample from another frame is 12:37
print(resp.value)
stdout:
8:01
